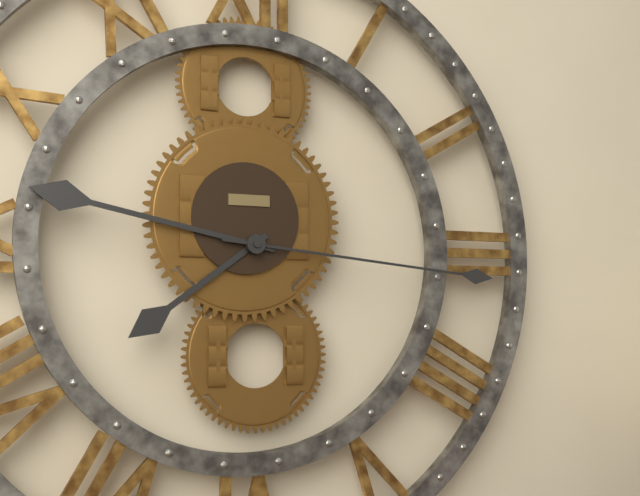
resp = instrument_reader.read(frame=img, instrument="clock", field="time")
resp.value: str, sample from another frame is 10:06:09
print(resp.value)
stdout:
7:47:16
